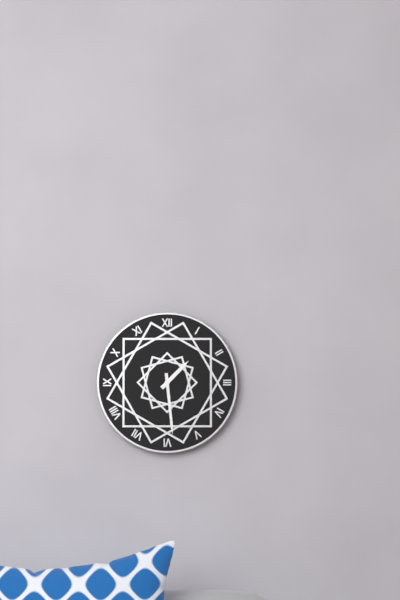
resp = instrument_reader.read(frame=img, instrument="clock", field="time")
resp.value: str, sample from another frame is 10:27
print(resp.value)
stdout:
1:29
